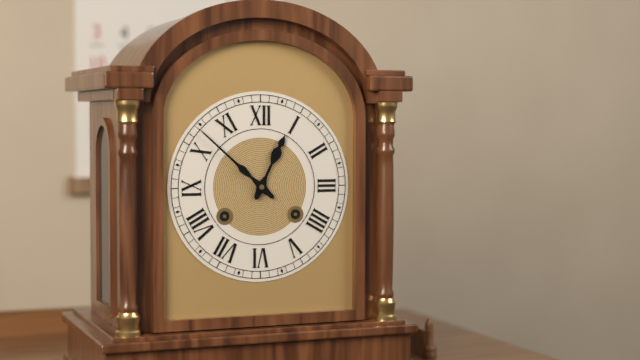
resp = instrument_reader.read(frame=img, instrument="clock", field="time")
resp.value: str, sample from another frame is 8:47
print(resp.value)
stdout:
12:52
